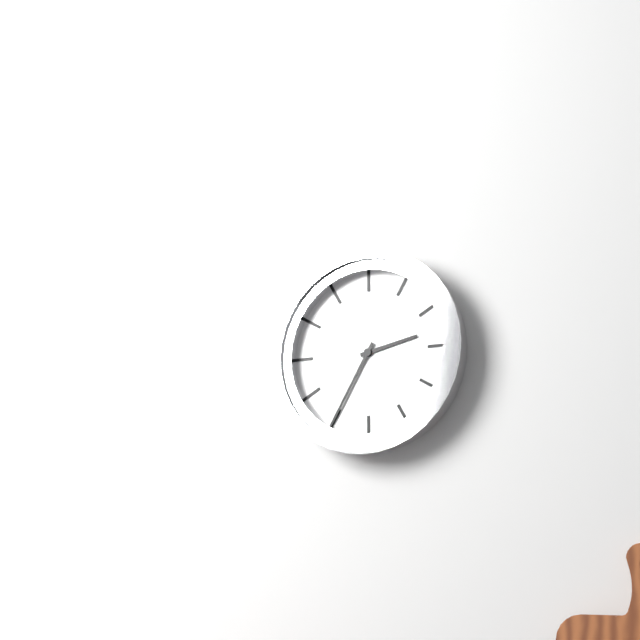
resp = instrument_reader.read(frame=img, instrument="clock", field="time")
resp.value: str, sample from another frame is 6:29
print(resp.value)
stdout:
2:35
